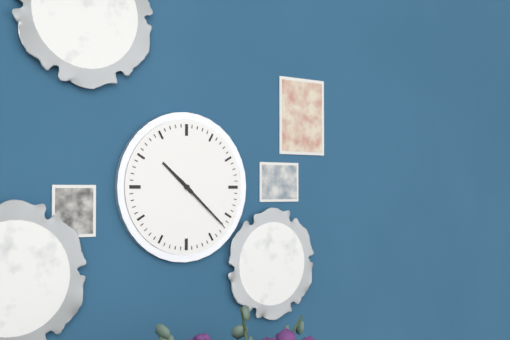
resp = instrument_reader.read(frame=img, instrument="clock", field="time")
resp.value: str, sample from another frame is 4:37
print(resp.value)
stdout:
10:22
